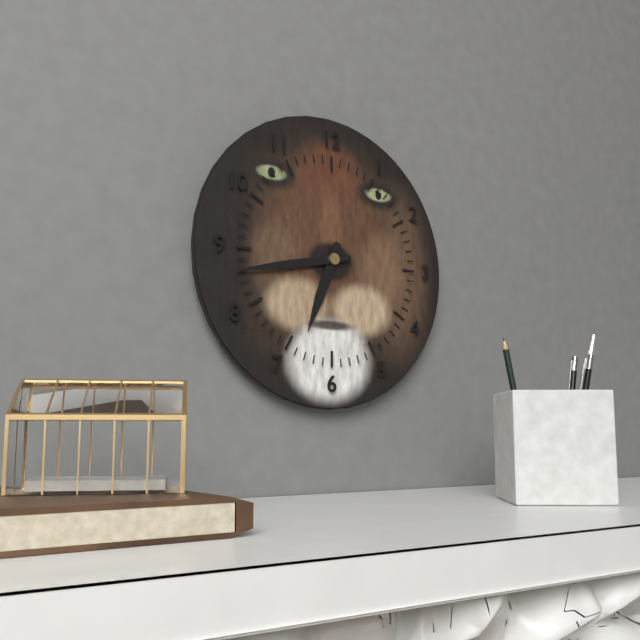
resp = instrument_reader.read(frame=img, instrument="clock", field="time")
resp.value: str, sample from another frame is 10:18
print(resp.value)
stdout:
6:43
